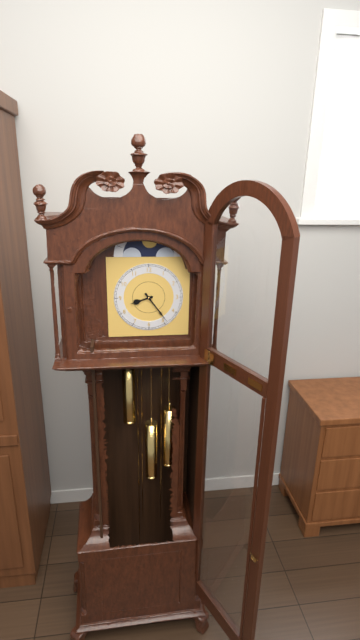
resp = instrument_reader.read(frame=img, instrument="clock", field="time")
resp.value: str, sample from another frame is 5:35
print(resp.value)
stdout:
8:24
